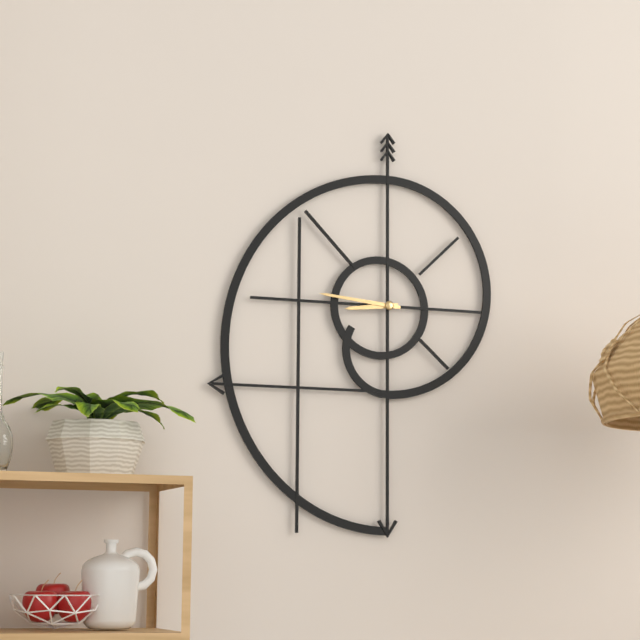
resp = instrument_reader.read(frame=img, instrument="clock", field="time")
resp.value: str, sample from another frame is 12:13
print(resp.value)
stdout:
8:46
